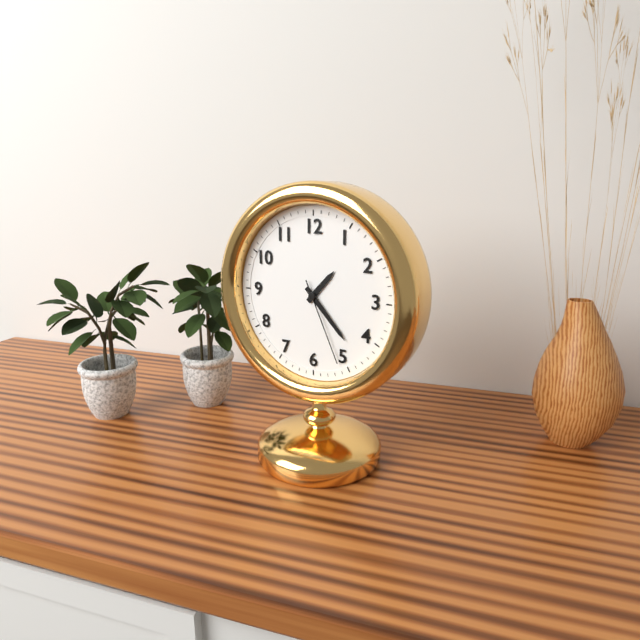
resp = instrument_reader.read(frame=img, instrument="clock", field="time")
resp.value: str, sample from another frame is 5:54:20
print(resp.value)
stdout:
1:23:26
